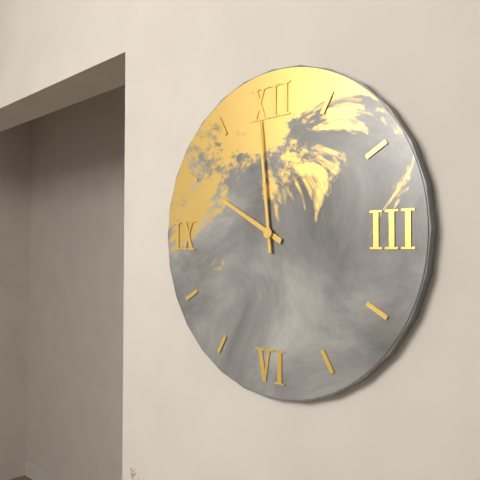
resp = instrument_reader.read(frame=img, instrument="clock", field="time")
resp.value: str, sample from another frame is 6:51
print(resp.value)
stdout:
9:59
